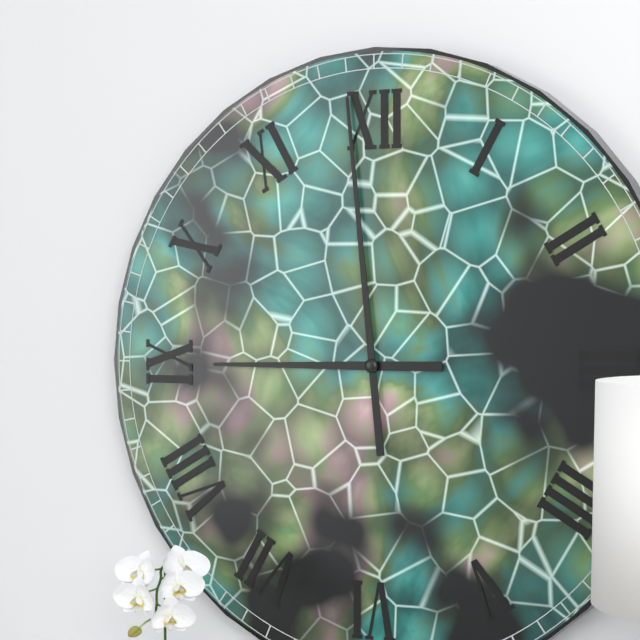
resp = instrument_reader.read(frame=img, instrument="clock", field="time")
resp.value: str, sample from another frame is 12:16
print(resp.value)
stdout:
8:59
